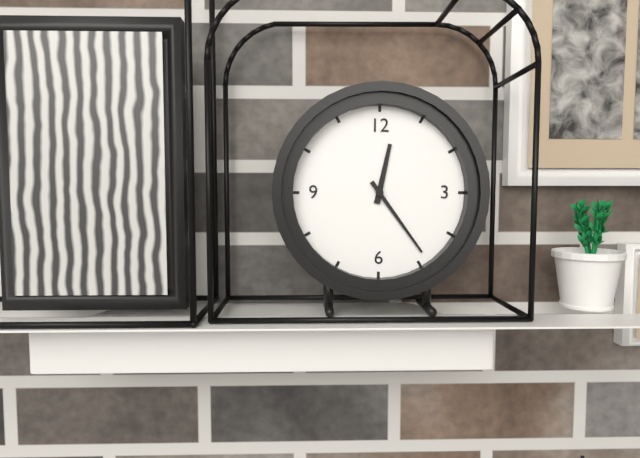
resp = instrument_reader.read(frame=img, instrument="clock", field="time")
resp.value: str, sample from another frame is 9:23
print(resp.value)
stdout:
12:24
